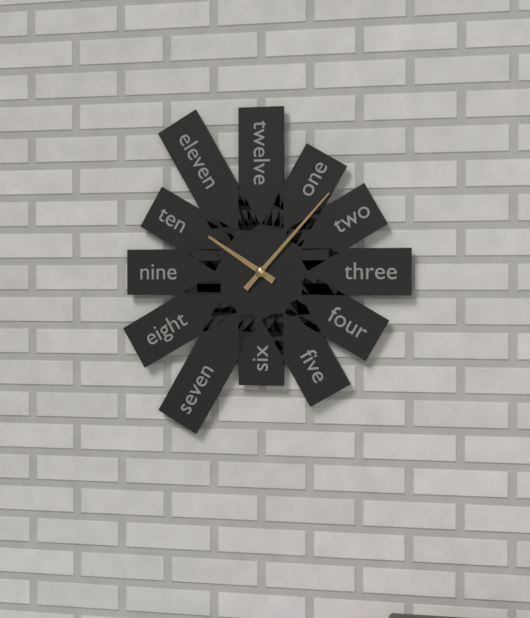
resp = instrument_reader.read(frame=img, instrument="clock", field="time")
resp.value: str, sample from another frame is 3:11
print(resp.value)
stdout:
10:07
